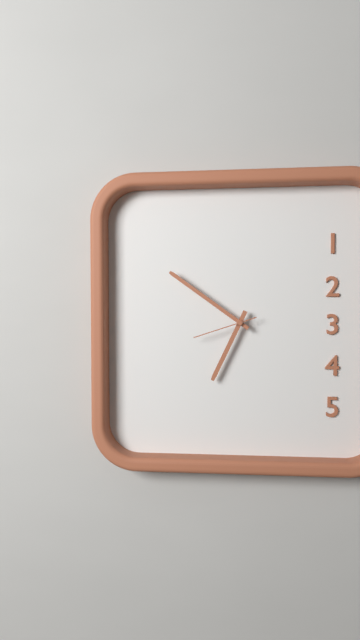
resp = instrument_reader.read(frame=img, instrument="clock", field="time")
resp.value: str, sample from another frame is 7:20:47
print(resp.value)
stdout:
6:51:42
